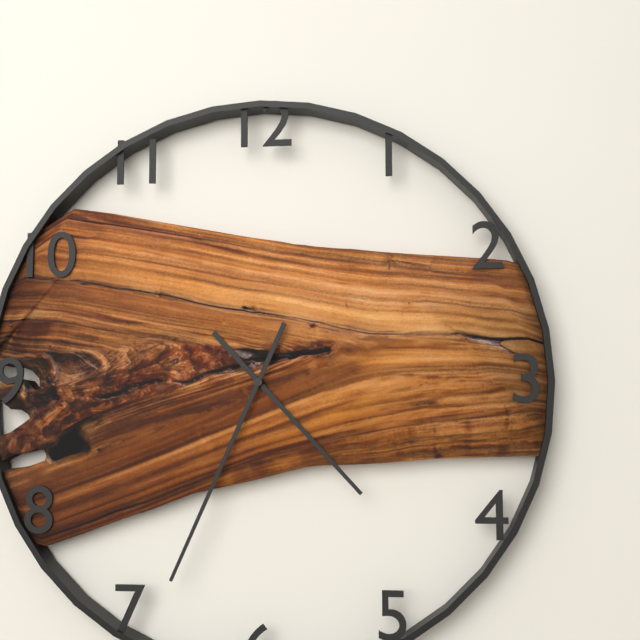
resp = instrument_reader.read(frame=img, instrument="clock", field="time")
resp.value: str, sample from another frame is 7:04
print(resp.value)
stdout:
4:34
